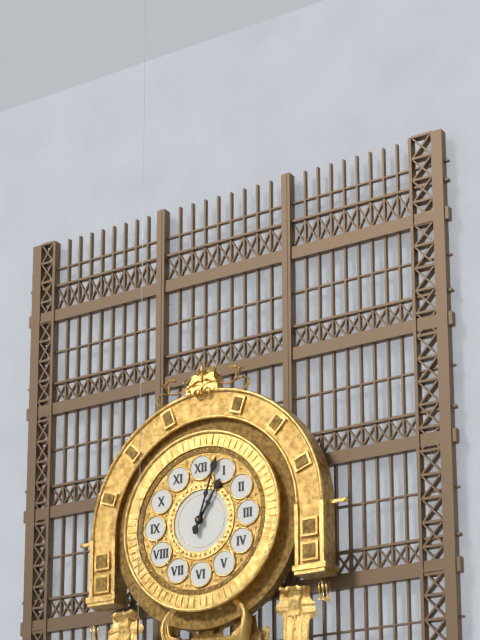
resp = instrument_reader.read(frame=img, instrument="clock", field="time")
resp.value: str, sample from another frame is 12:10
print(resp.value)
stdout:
1:03
